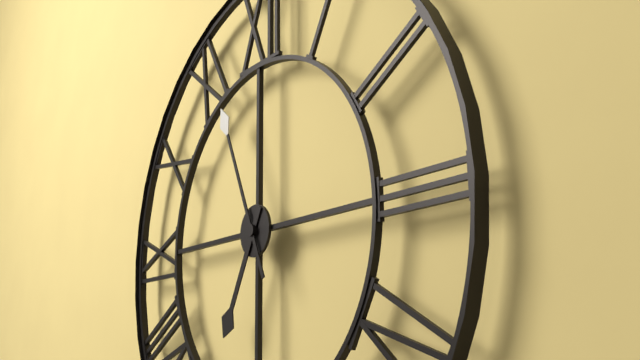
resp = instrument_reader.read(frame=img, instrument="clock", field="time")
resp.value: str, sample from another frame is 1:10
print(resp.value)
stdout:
6:56
